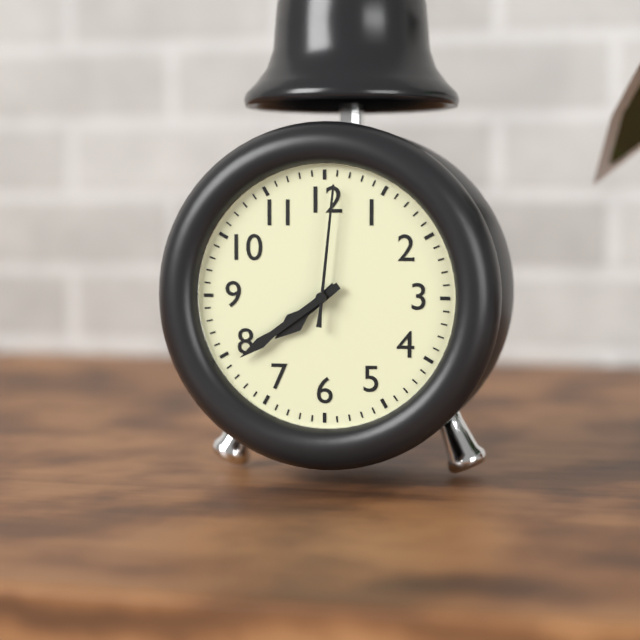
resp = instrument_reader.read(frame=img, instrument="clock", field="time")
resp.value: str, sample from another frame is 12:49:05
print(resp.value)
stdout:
7:39:01
